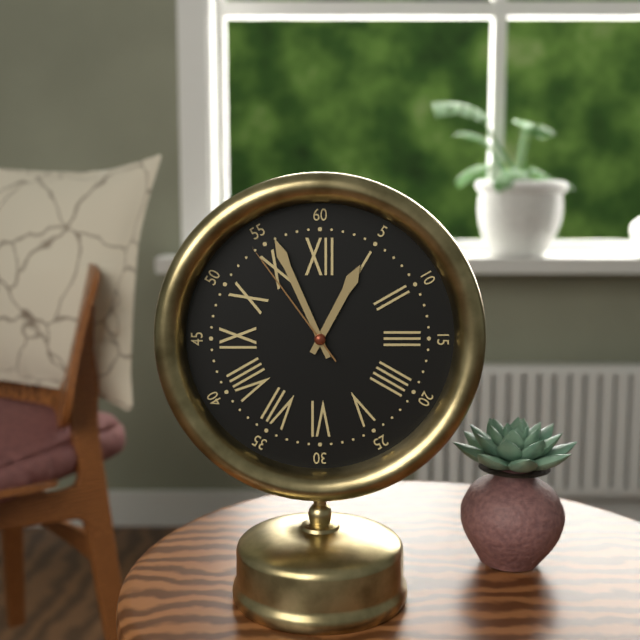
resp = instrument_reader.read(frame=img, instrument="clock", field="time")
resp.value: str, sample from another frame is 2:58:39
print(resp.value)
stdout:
12:56:54
